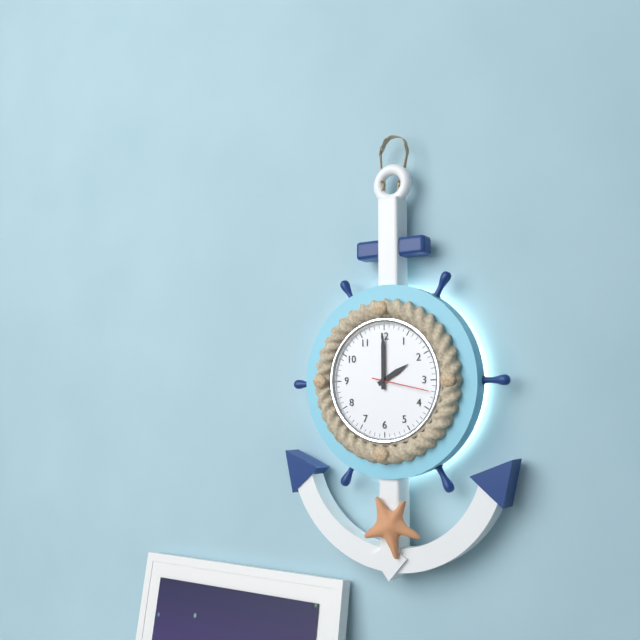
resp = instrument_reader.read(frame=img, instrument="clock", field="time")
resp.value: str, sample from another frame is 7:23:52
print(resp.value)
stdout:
2:00:17
